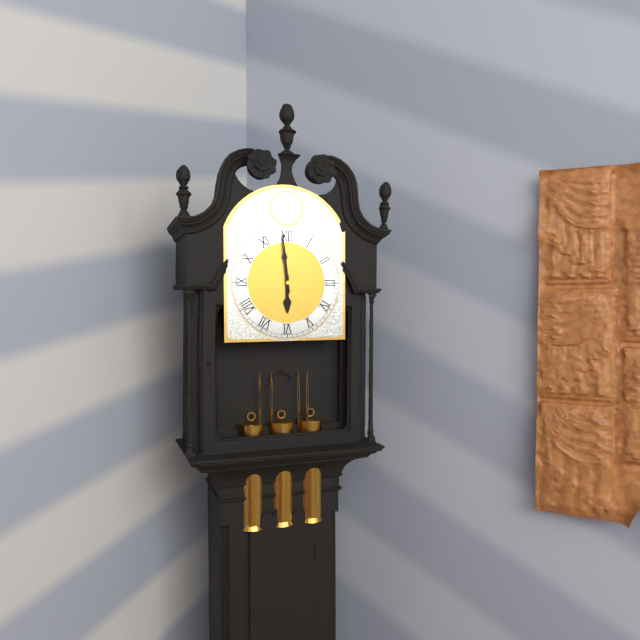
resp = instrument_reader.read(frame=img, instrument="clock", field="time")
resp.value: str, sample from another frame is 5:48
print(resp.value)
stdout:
5:59
